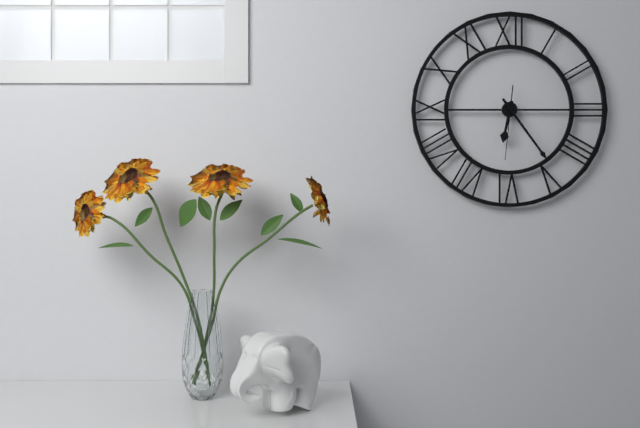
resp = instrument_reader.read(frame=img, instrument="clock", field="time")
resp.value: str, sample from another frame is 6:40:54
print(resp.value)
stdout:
6:24:31
